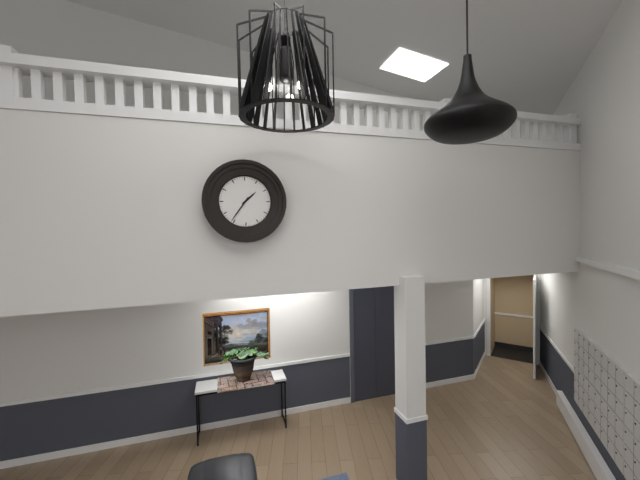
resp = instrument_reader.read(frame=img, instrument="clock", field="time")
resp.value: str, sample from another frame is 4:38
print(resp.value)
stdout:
1:36
